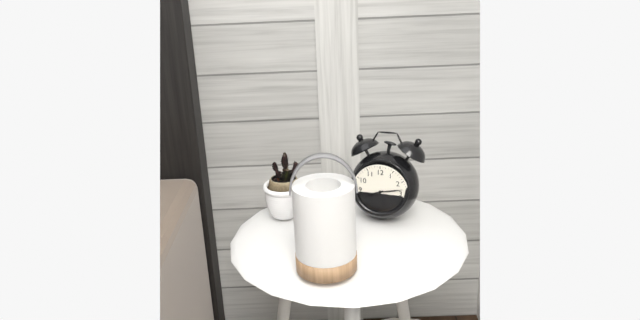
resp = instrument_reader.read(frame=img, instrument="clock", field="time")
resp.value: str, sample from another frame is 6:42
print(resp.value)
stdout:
8:13
